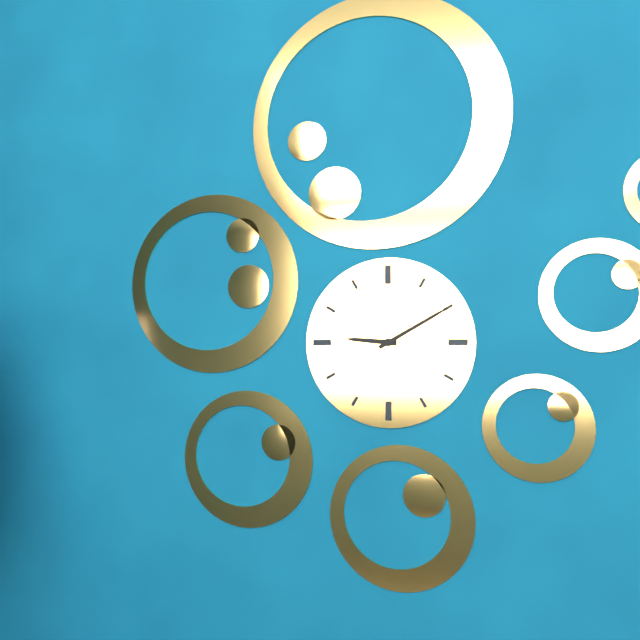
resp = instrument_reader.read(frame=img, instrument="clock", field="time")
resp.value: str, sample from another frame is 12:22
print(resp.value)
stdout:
9:10
